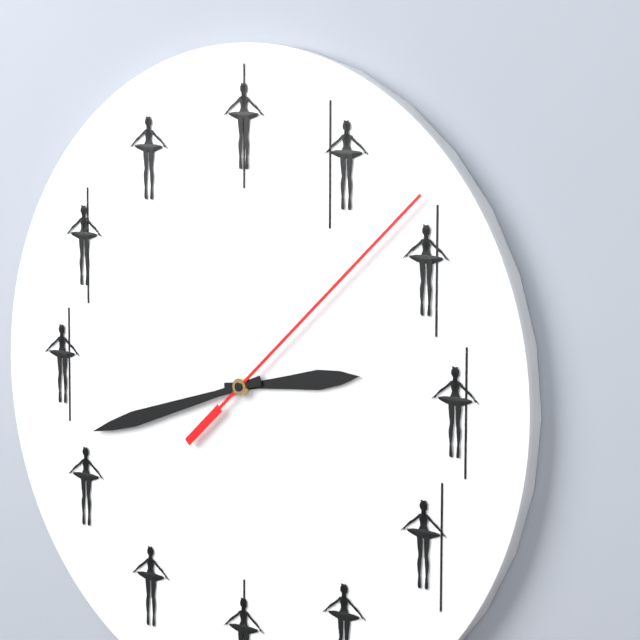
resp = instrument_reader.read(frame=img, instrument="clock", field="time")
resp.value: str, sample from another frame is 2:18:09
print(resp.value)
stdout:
2:42:08
